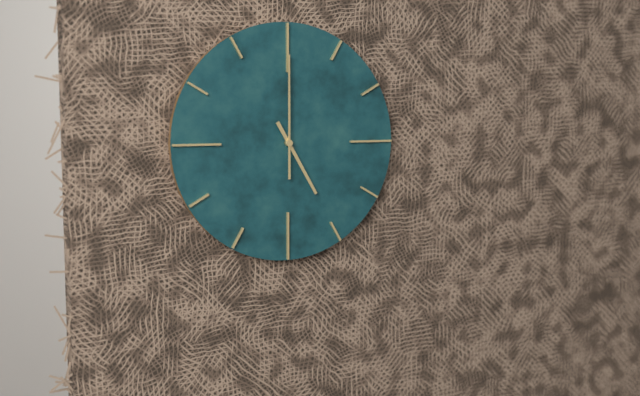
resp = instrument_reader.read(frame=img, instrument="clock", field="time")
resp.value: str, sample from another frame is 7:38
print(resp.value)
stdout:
5:00
